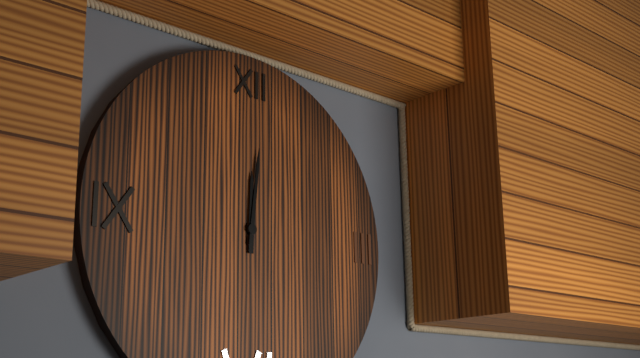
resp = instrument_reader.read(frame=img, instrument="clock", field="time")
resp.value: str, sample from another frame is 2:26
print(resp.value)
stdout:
12:01
